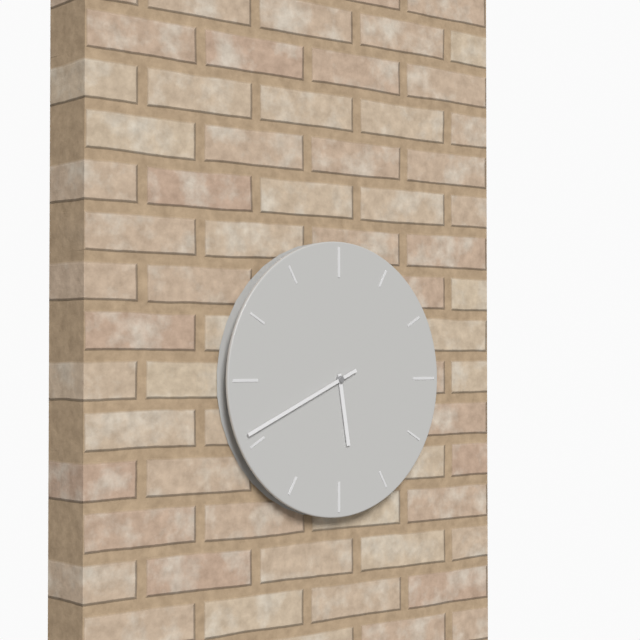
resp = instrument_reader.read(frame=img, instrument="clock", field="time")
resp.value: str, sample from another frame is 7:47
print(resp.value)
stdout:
5:41
